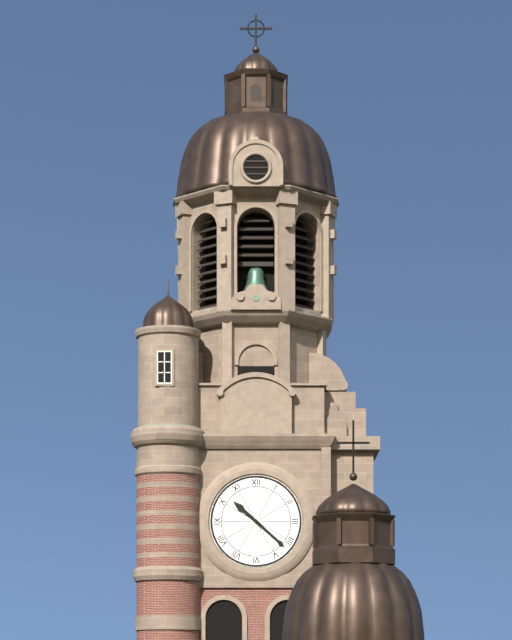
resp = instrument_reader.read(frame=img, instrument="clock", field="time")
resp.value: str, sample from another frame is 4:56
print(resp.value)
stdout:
10:22
